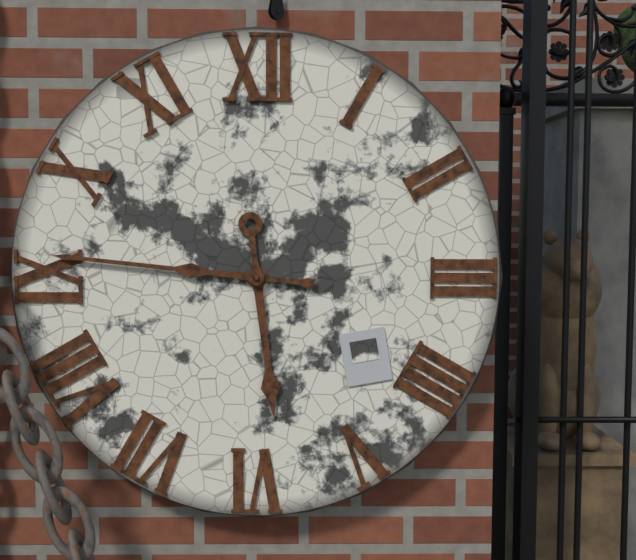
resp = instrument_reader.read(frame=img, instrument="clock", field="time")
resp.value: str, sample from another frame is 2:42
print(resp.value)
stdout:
5:46
